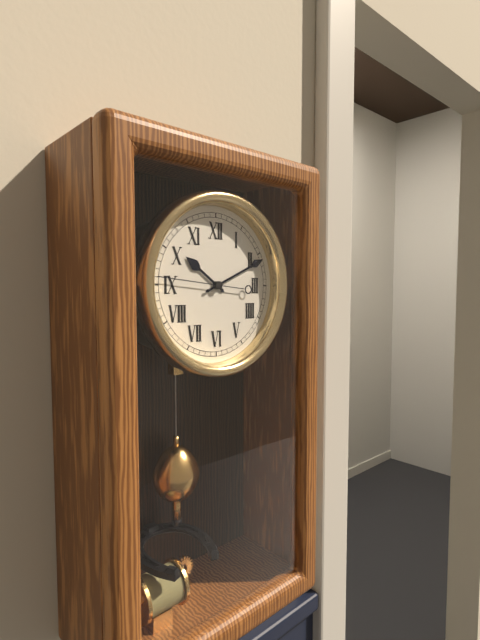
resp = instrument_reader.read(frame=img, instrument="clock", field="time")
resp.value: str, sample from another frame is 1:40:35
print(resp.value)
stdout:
10:11:46
